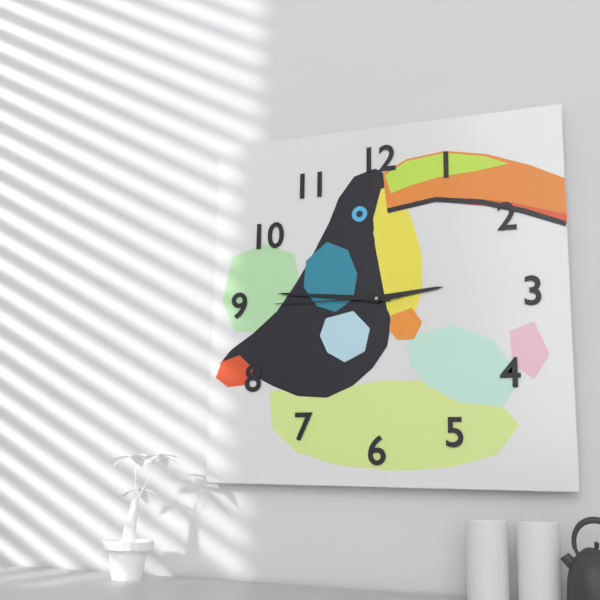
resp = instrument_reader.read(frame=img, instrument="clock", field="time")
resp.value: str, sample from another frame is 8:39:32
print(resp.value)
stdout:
2:46:45
